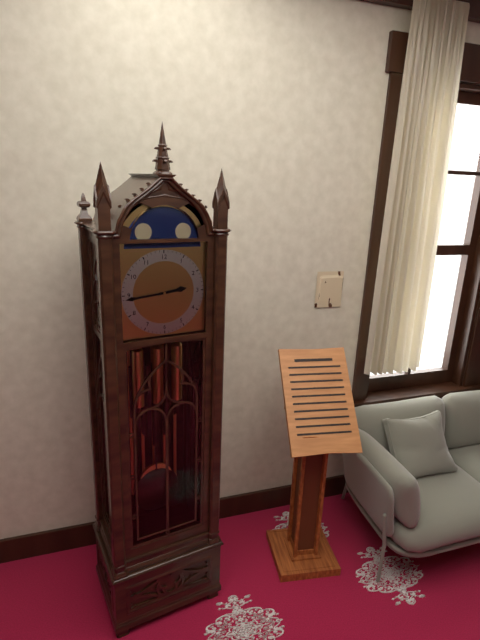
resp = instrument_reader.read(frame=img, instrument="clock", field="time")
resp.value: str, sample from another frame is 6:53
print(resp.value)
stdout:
2:44
